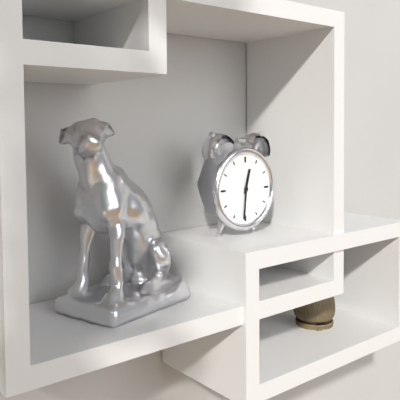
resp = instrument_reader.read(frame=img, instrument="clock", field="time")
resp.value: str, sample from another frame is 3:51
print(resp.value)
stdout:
12:31
